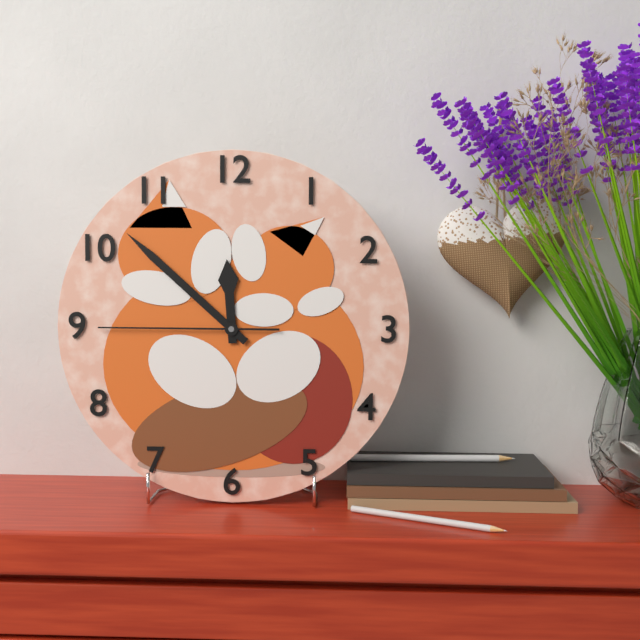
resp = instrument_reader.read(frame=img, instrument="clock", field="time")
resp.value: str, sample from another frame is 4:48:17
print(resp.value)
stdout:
11:52:45
